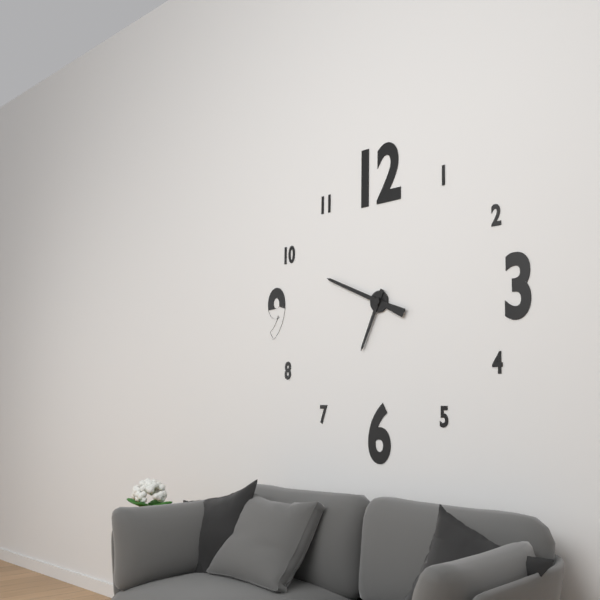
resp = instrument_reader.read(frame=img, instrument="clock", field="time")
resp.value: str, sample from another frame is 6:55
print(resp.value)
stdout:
6:49
